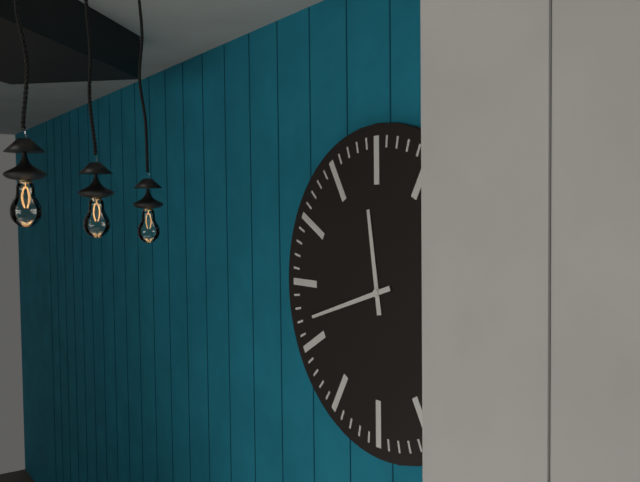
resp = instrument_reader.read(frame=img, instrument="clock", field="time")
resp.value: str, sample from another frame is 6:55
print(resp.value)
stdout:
11:42
